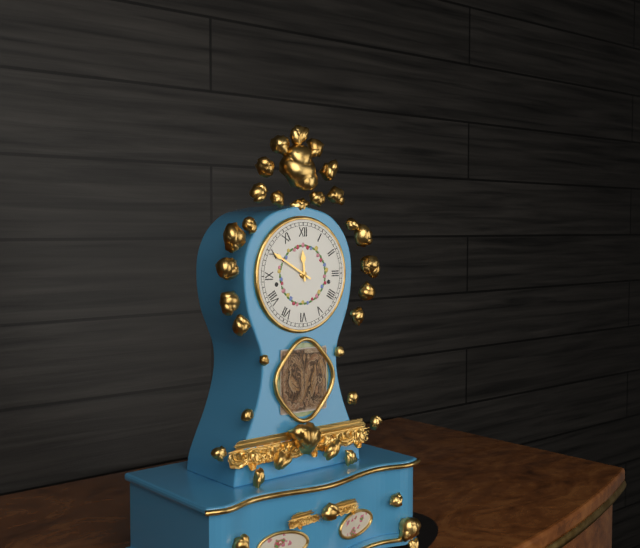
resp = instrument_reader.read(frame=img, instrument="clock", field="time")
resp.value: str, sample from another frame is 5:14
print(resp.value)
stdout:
11:50
